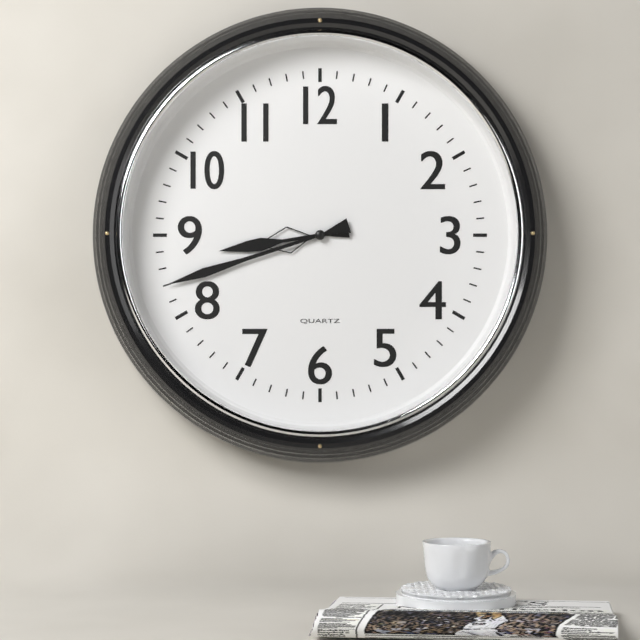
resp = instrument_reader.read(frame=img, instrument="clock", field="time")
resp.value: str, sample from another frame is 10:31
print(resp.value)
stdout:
8:42
